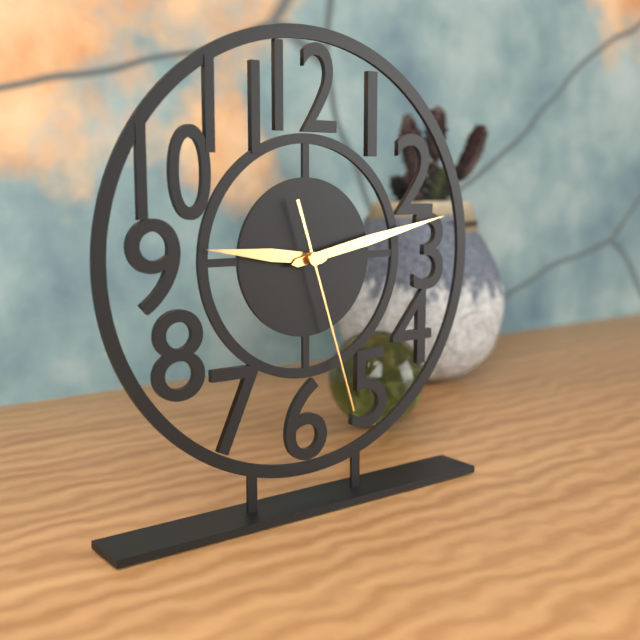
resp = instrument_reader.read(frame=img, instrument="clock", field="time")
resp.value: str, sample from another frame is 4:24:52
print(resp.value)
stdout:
9:13:27
